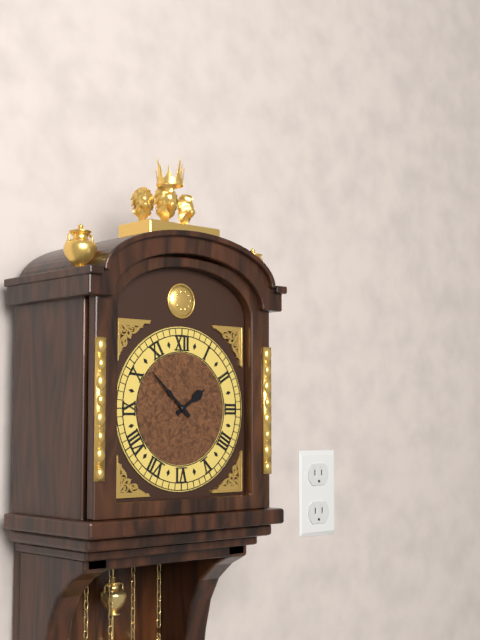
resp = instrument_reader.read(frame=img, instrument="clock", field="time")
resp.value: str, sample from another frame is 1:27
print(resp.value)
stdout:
1:52
